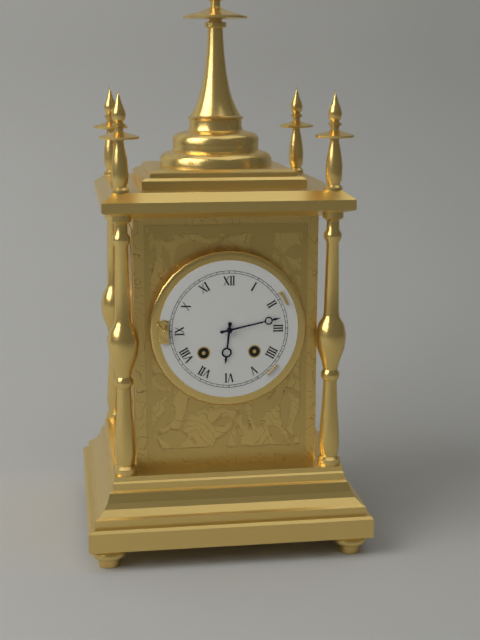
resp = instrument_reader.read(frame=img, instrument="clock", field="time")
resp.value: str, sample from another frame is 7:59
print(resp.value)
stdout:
6:13
